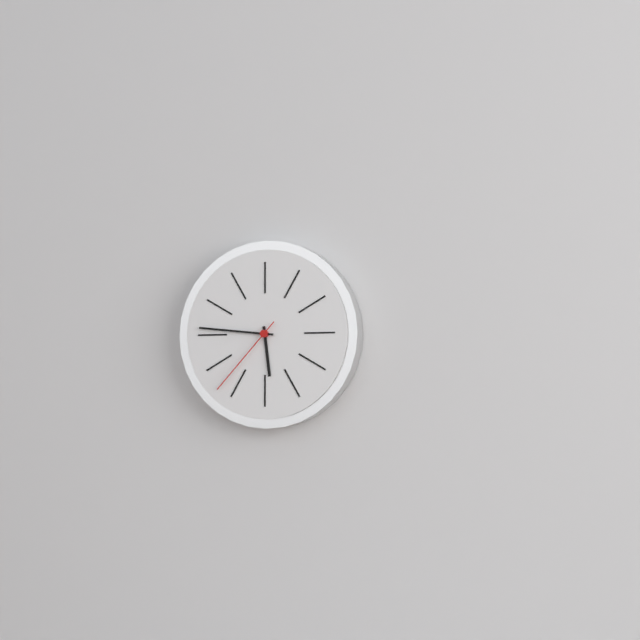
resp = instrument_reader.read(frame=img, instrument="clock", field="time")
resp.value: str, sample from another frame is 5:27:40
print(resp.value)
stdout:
5:46:37
